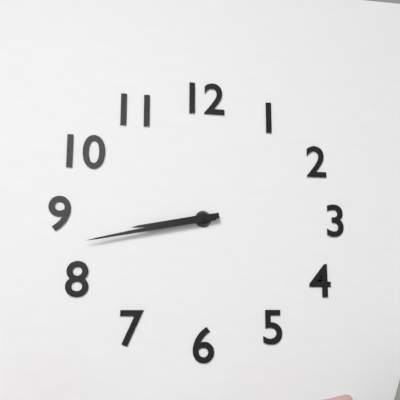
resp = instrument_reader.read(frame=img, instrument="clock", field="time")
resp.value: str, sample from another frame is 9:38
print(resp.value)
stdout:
8:43
